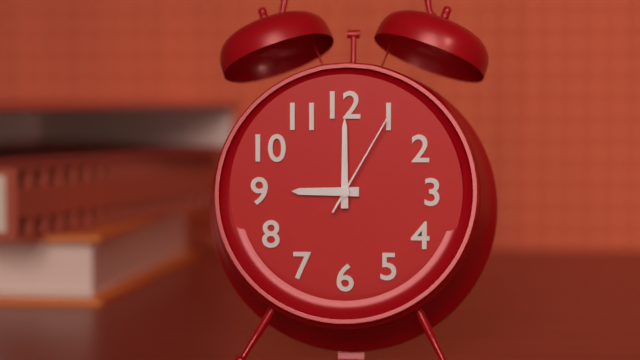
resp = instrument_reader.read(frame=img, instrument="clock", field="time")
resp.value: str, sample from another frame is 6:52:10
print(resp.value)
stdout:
9:00:05
